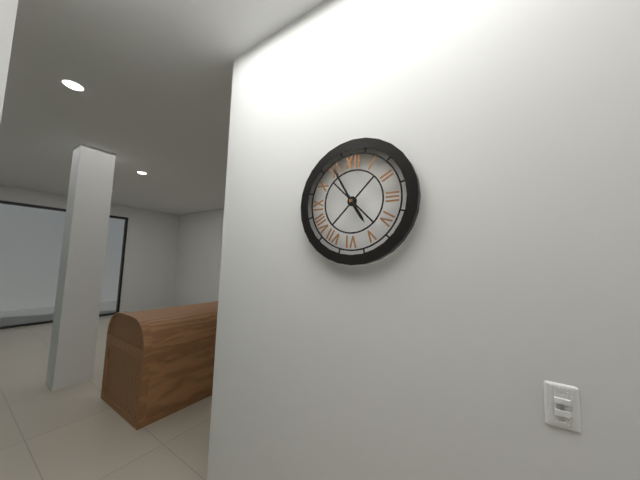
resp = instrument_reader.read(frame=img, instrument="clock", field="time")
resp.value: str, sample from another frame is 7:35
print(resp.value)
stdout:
4:55
